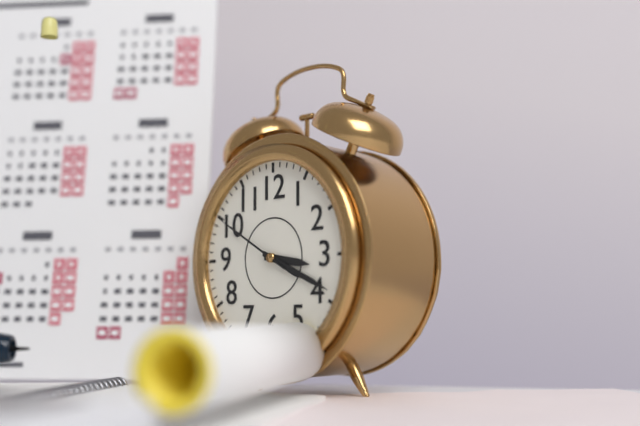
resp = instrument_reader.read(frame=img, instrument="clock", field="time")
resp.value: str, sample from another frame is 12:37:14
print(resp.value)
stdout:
3:19:50
